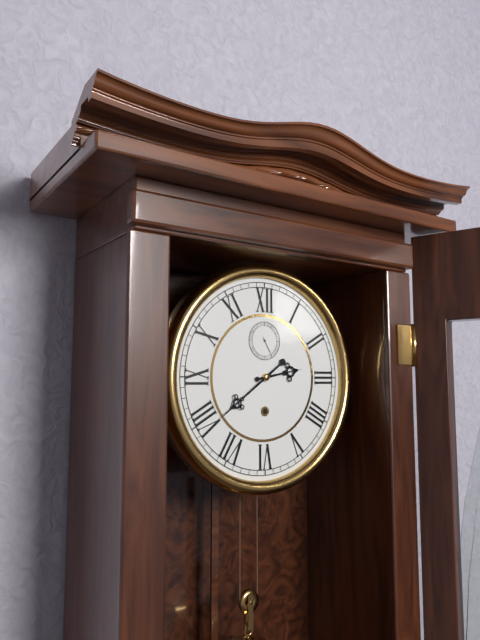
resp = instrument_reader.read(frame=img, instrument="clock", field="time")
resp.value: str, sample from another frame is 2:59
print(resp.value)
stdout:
2:39
